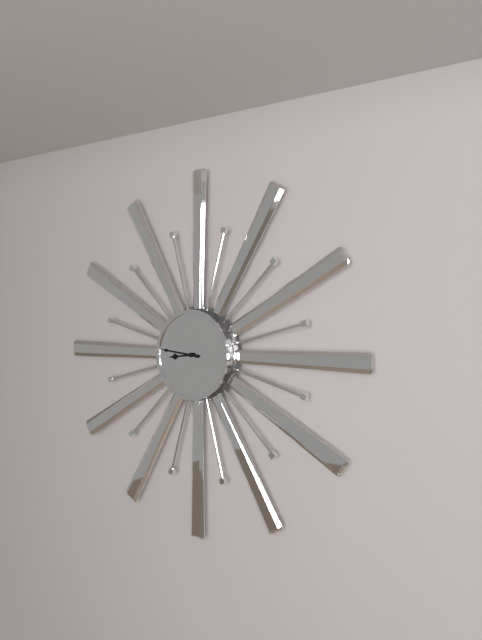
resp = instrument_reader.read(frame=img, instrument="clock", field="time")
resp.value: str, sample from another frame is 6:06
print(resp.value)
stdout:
8:46
